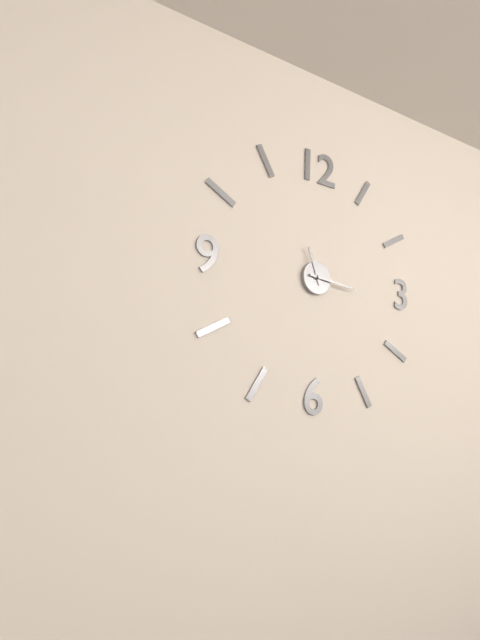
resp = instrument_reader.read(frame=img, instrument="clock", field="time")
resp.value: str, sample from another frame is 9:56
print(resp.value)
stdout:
11:16
